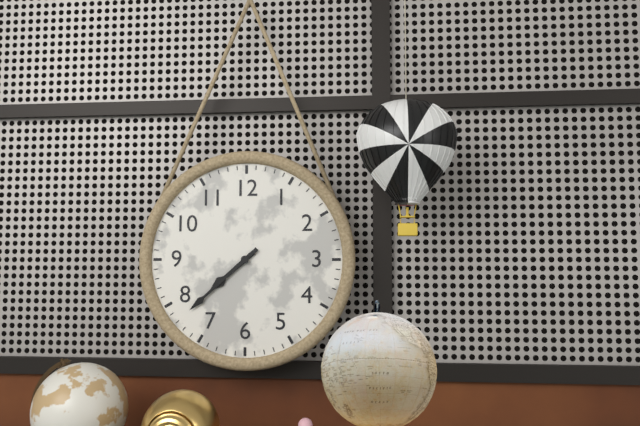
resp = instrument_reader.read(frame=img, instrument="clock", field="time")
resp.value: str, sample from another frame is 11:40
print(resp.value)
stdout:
7:38
